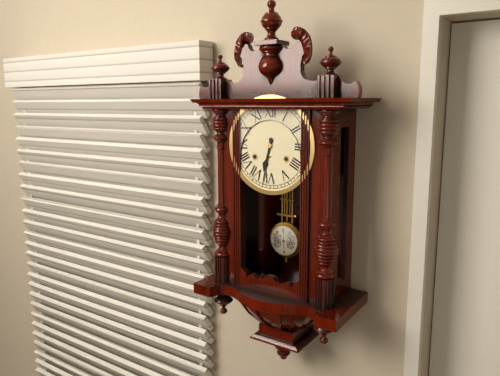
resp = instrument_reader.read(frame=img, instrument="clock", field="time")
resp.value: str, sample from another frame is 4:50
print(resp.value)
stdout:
6:32
